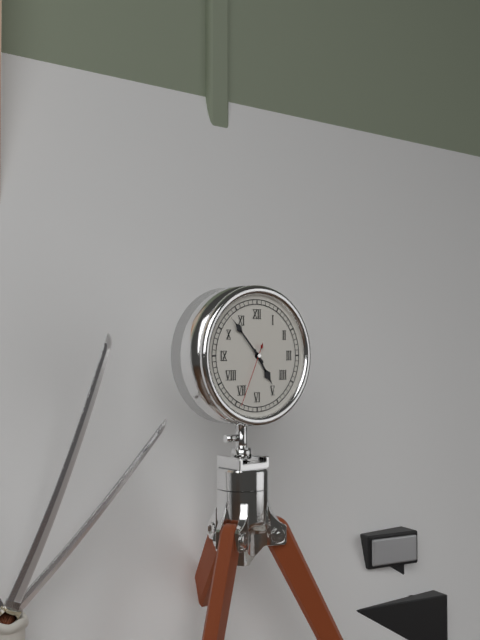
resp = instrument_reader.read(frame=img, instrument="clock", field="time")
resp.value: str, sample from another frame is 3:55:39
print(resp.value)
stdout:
4:53:34
